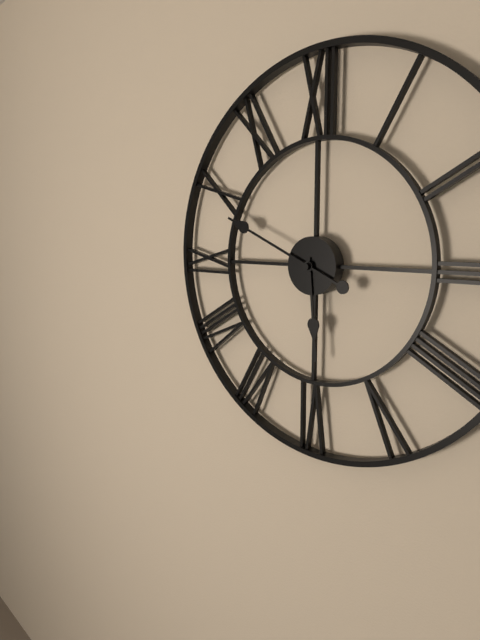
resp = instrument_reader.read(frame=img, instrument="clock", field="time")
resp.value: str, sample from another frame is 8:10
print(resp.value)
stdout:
5:49
